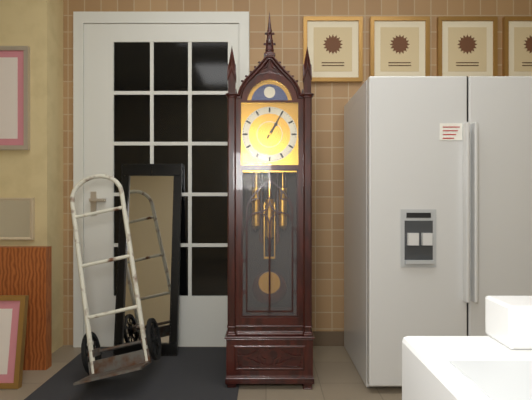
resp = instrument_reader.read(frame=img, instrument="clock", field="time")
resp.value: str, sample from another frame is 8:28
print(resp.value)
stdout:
1:05
